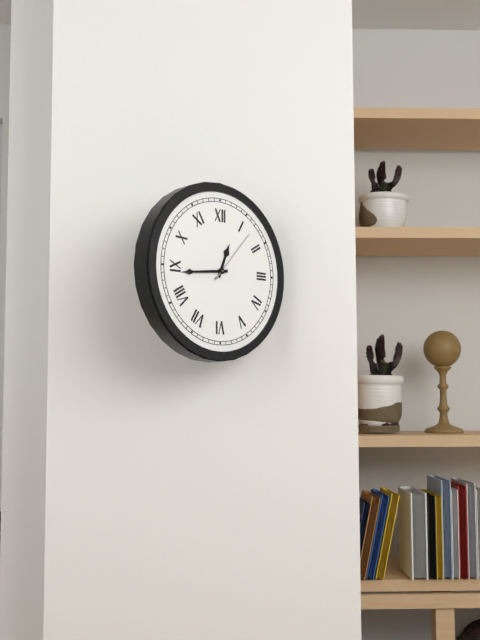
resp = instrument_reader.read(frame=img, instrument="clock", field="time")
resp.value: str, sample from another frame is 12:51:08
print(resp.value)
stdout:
12:44:07
